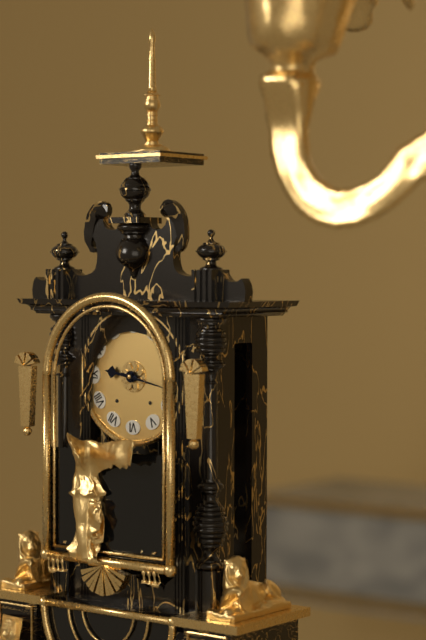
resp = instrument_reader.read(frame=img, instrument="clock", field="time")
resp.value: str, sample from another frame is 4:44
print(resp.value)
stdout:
9:17
